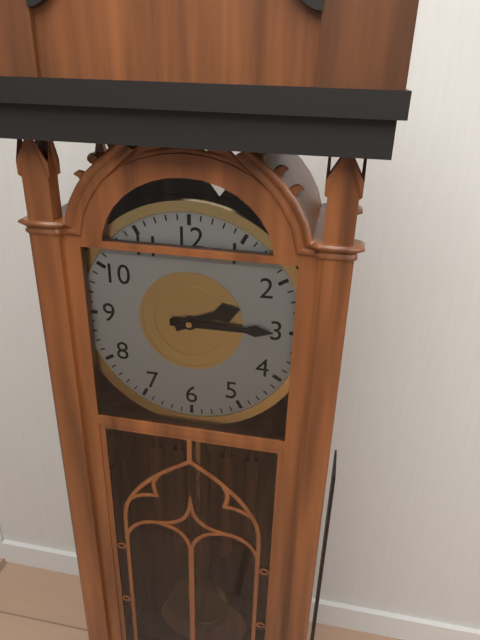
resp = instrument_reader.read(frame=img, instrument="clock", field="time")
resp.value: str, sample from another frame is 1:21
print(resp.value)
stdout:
2:15
